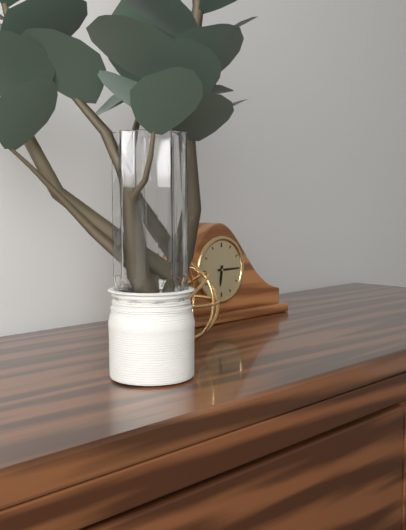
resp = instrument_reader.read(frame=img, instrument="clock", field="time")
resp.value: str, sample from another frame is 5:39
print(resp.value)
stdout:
6:15
